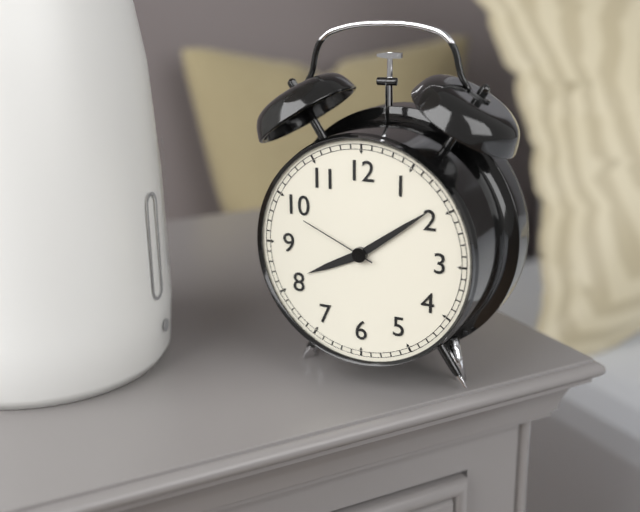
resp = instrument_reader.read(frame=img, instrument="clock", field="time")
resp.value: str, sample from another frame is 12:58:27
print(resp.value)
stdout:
8:09:49
